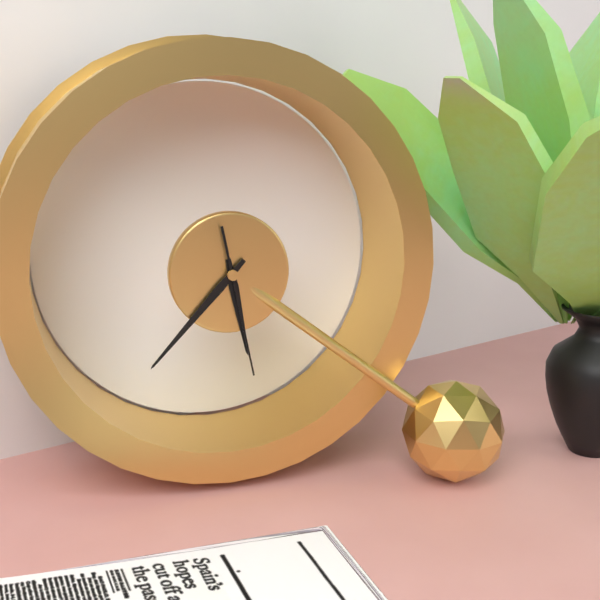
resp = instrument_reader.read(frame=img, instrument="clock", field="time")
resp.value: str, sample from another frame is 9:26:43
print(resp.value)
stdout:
5:37:28
